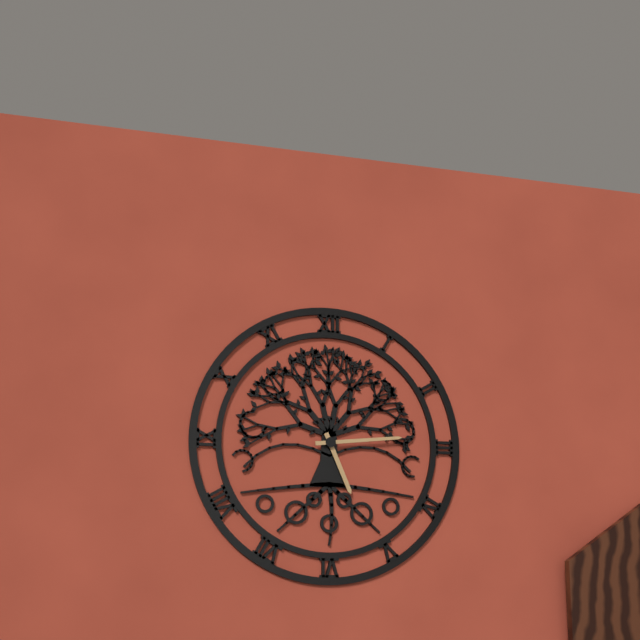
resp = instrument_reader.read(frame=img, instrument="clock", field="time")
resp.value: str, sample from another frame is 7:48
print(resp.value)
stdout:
5:14
